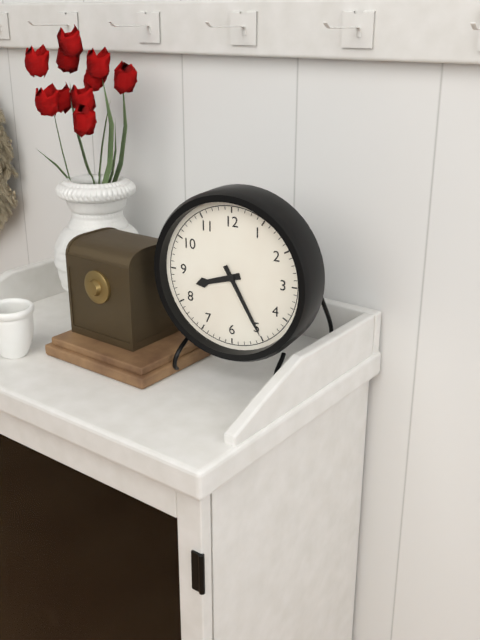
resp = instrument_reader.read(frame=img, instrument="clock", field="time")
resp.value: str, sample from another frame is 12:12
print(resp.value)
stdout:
8:25
